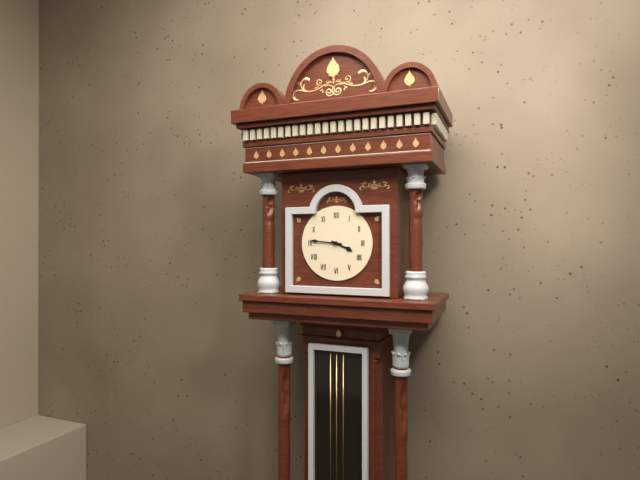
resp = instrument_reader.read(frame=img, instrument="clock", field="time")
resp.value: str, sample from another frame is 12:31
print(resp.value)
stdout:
3:46
